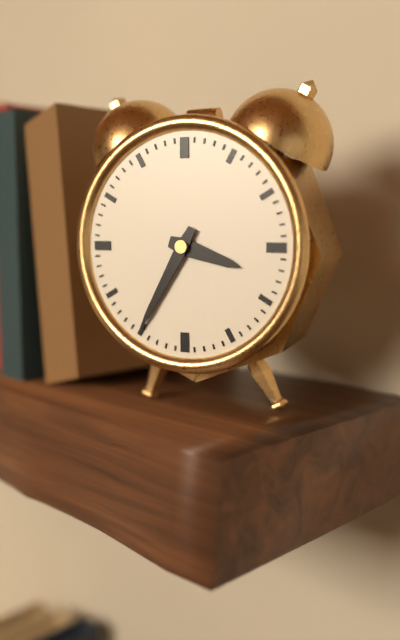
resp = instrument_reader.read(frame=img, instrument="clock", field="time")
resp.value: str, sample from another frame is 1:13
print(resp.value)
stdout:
3:35
